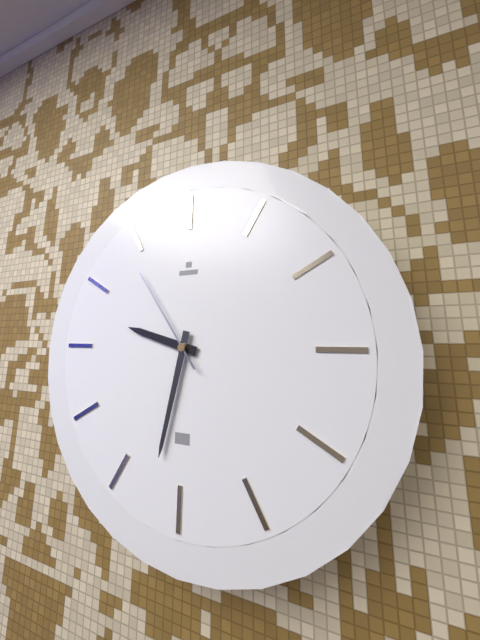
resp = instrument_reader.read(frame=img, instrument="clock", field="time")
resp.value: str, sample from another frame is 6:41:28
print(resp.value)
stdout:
9:32:54
